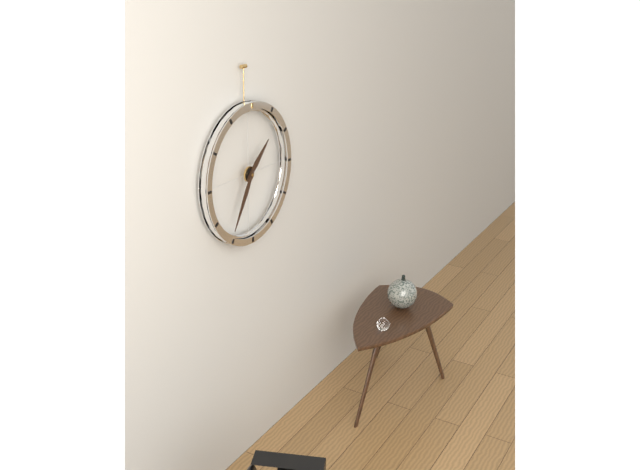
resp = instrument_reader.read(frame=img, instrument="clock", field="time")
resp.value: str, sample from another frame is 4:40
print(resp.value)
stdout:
1:35
